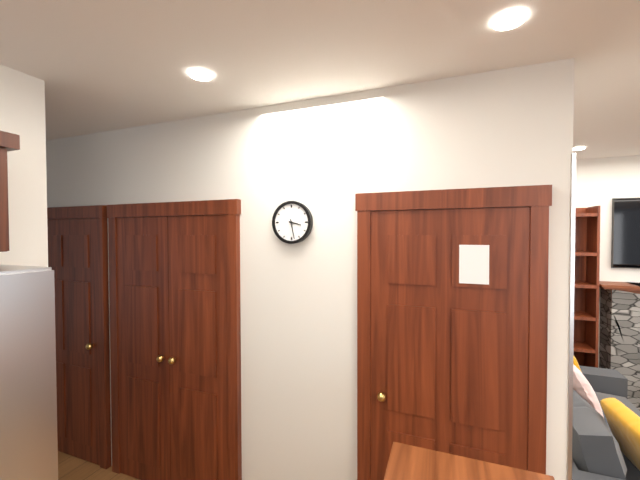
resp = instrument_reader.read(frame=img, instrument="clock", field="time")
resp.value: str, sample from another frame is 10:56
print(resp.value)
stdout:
3:28
